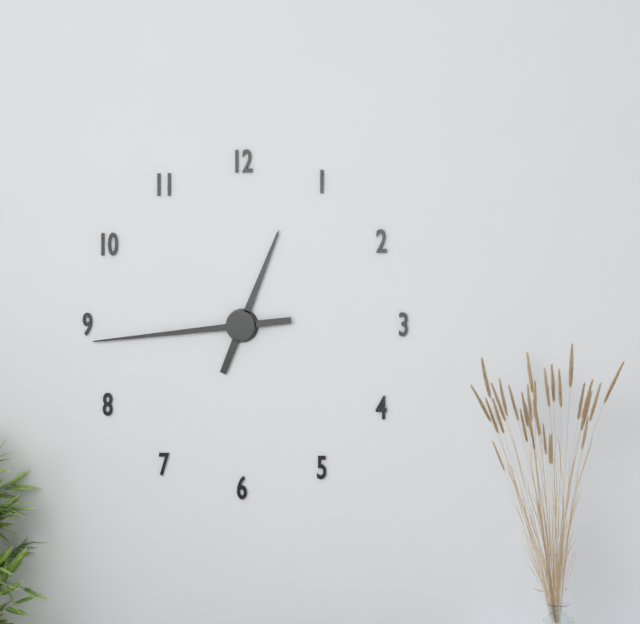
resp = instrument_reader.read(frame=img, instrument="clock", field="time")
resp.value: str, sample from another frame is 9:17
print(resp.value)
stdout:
12:44
